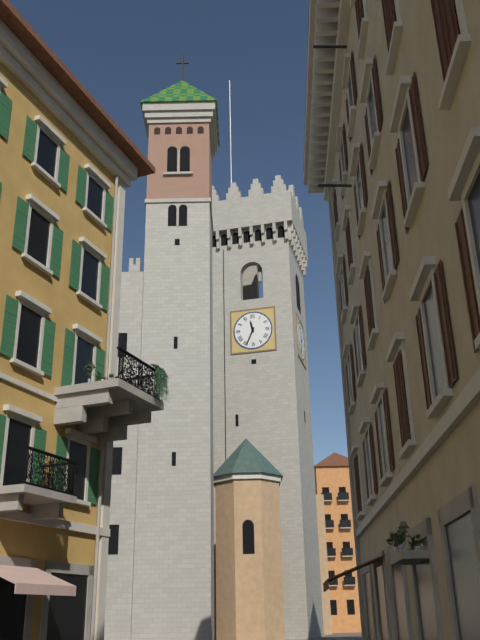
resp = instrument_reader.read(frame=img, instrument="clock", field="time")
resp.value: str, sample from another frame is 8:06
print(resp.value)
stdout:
11:34
